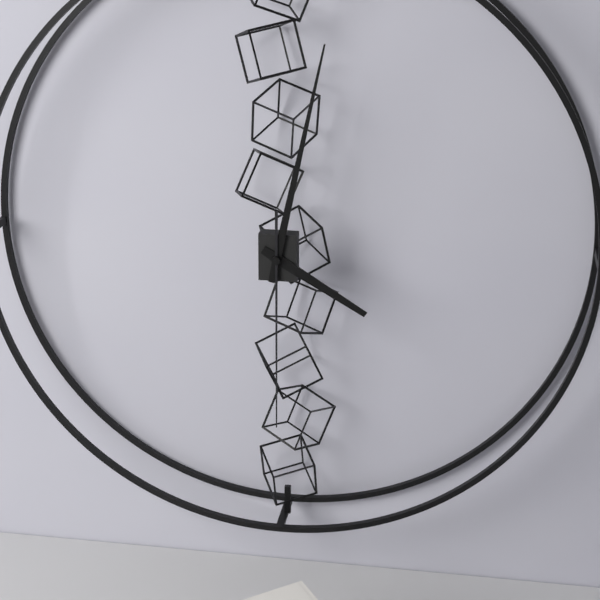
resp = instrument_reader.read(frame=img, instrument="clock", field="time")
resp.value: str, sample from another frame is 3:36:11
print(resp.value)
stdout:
4:02:30
